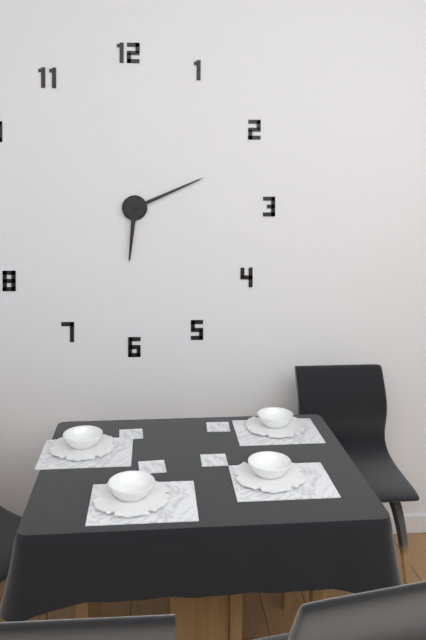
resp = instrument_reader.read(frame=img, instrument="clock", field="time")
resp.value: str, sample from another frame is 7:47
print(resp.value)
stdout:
6:11
